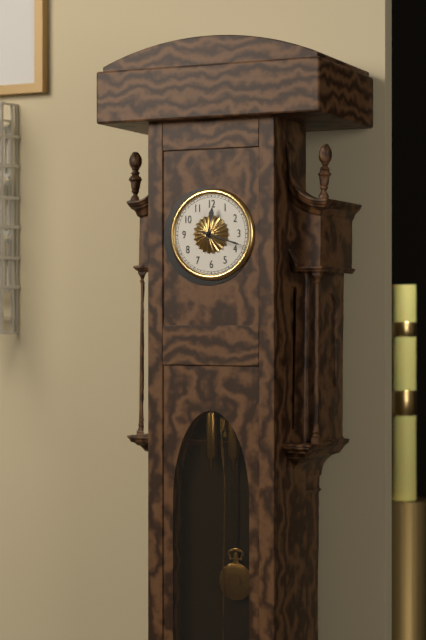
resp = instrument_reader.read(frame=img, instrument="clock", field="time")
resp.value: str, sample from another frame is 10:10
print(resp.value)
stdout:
12:18
